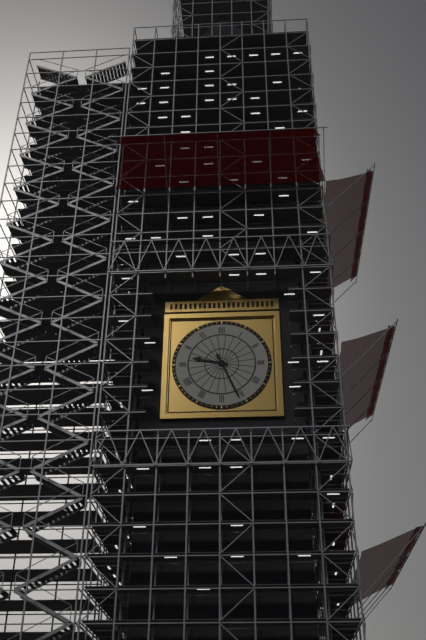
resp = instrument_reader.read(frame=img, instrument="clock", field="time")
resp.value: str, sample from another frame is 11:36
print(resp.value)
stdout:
9:26
